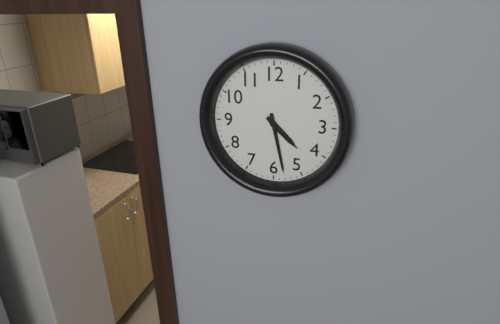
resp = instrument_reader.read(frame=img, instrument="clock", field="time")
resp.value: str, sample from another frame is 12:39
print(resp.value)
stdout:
4:28
